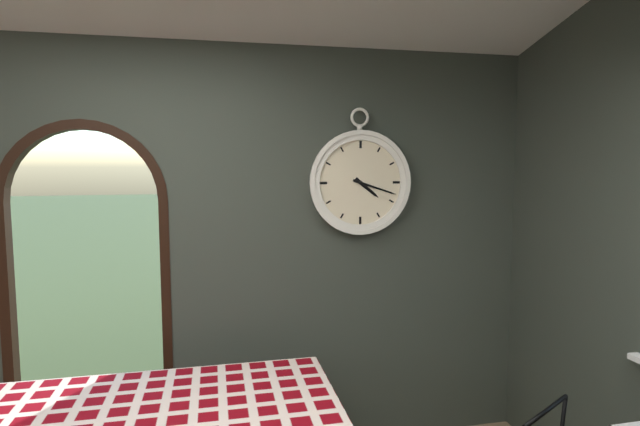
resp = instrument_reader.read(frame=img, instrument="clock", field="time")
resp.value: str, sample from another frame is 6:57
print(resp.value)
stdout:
4:18
